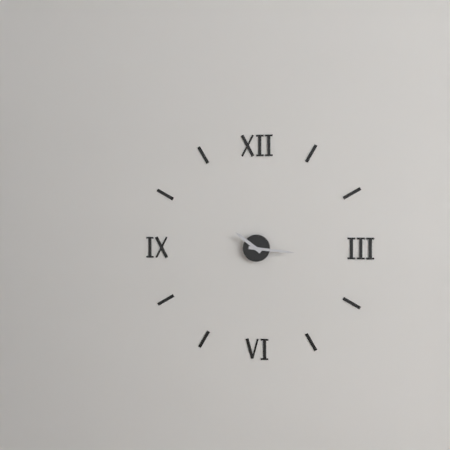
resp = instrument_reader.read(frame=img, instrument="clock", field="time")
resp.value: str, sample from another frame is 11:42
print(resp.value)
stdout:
10:16
